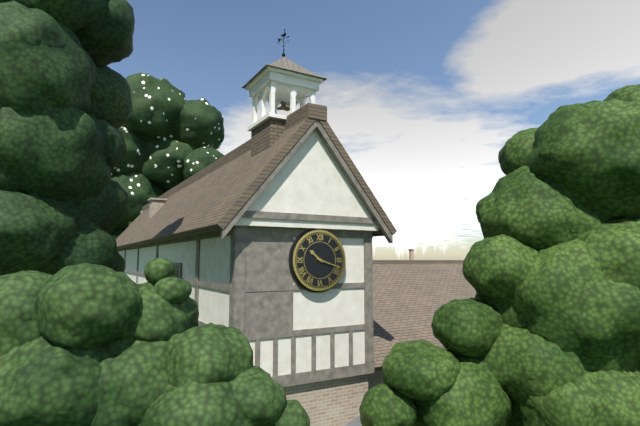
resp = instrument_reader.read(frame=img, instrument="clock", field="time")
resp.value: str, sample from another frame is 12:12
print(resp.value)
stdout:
10:18
